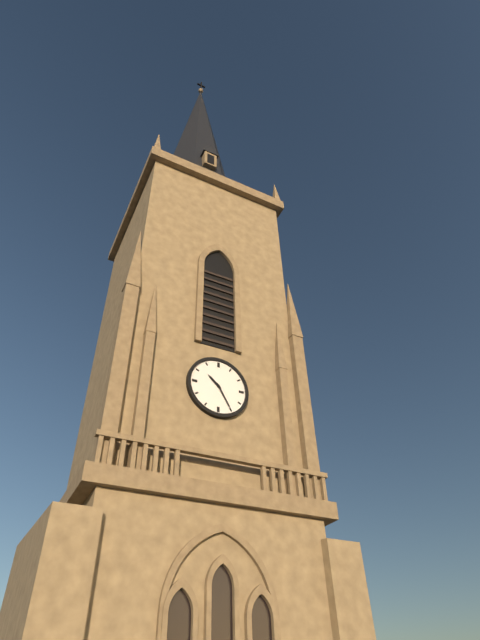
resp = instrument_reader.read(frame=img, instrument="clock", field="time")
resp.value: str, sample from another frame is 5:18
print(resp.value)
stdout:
10:25
